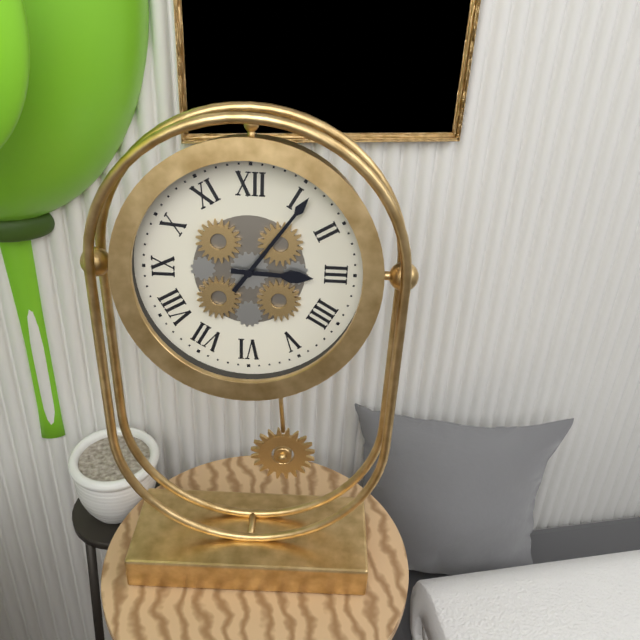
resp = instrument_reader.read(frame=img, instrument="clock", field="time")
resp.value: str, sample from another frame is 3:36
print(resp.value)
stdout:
3:06
